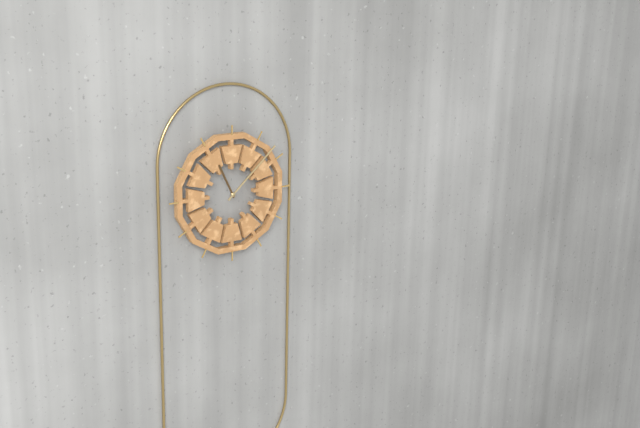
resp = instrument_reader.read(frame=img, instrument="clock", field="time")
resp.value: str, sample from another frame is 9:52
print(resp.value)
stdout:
11:08
